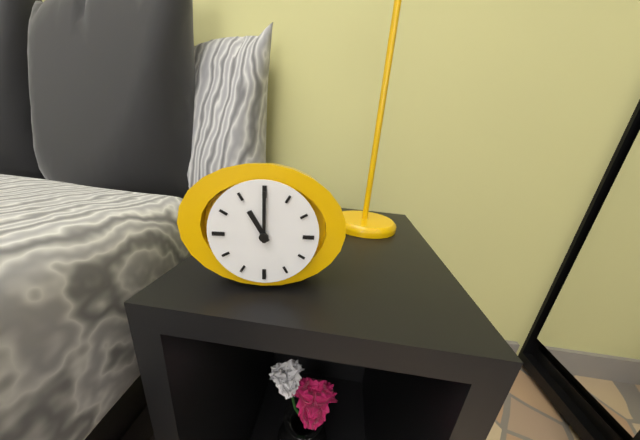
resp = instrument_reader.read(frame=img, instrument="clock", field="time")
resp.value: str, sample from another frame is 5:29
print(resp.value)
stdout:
11:00
